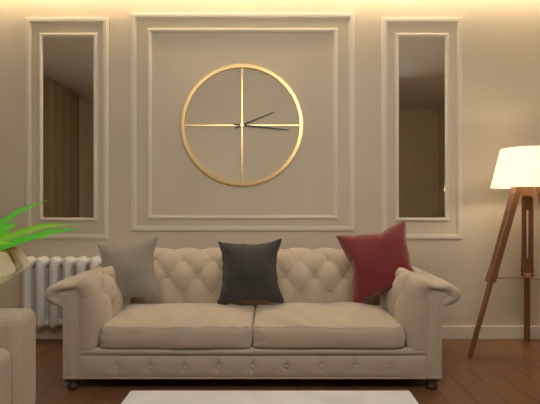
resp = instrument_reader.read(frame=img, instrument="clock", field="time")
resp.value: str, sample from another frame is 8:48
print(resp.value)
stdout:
2:16
